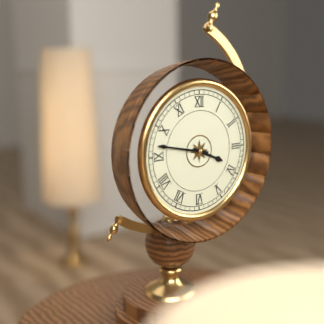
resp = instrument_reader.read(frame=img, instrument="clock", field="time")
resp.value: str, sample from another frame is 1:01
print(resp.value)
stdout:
3:47
